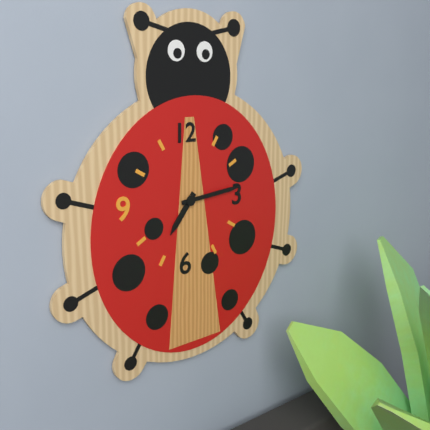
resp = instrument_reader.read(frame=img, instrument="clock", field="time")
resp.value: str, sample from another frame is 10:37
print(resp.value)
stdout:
7:14
